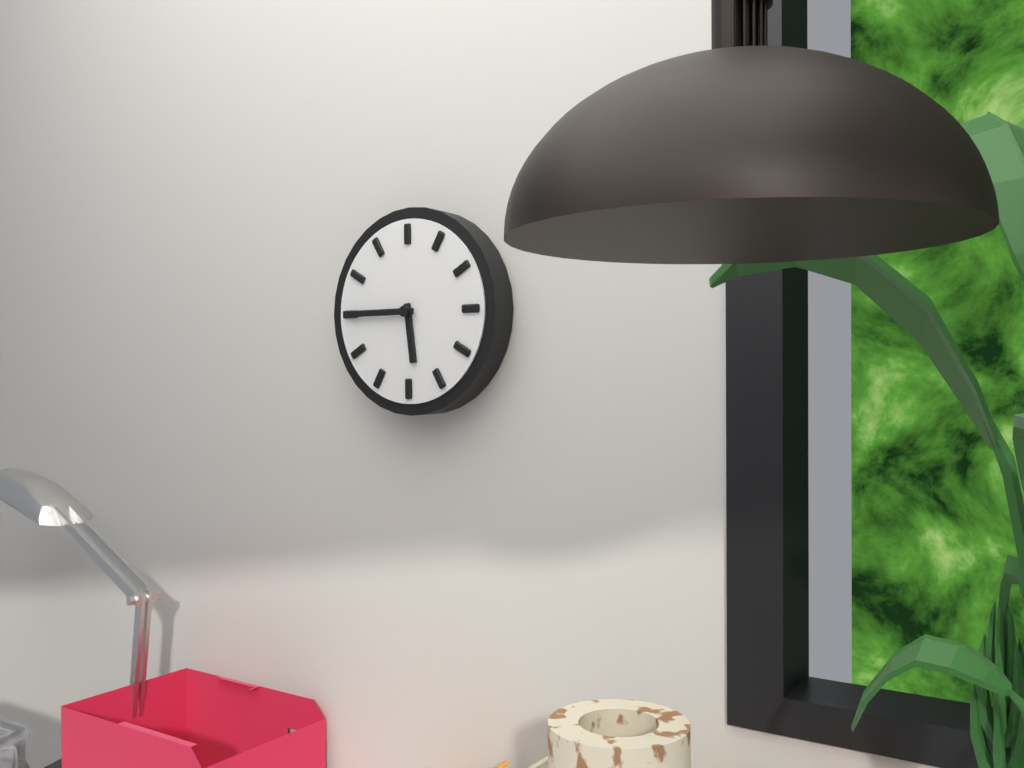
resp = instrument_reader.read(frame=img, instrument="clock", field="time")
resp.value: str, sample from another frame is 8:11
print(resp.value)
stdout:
5:45
